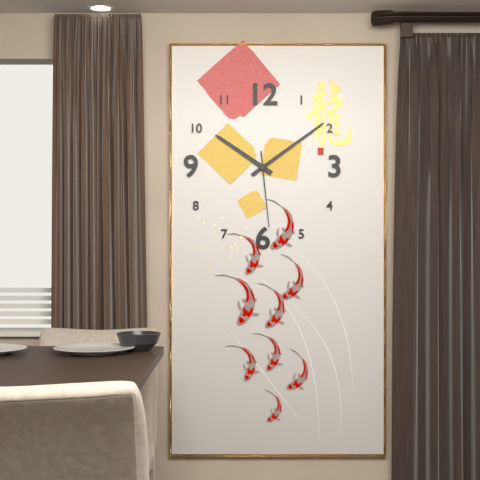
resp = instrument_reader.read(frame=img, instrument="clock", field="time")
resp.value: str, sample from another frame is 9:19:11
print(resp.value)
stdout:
10:09:29
